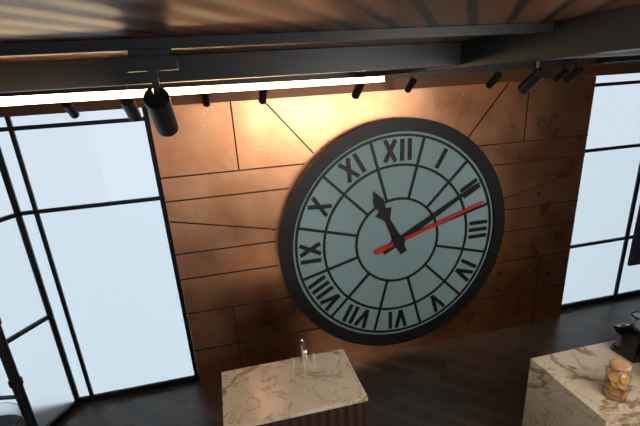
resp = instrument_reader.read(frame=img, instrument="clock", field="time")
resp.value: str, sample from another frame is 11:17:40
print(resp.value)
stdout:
11:10:12
